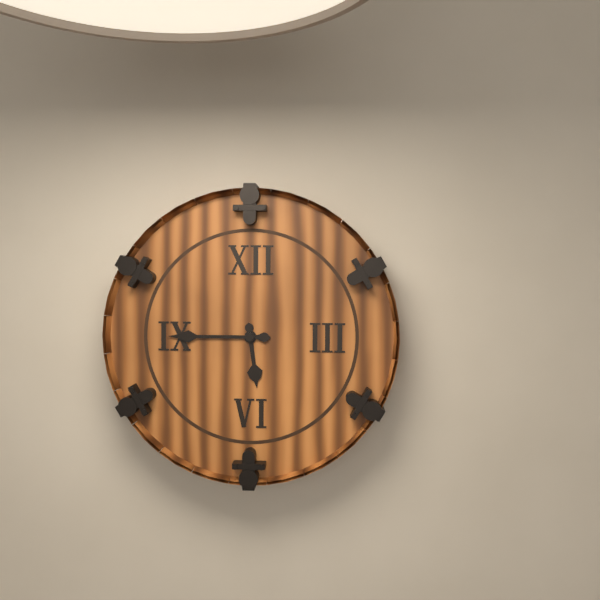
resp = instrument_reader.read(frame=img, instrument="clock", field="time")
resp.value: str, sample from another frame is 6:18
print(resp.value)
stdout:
5:45
